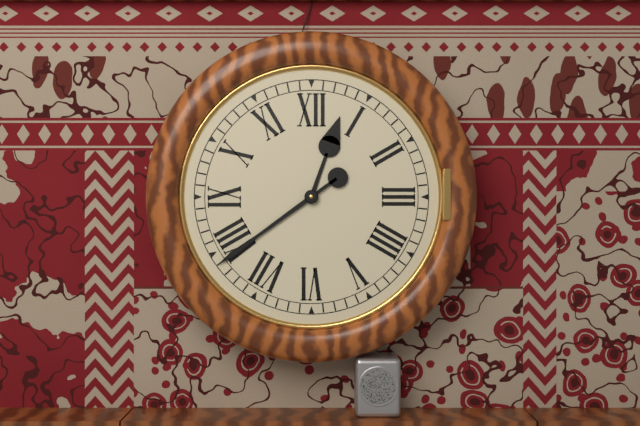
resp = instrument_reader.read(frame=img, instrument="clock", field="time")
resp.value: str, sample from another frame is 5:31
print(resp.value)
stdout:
12:39
